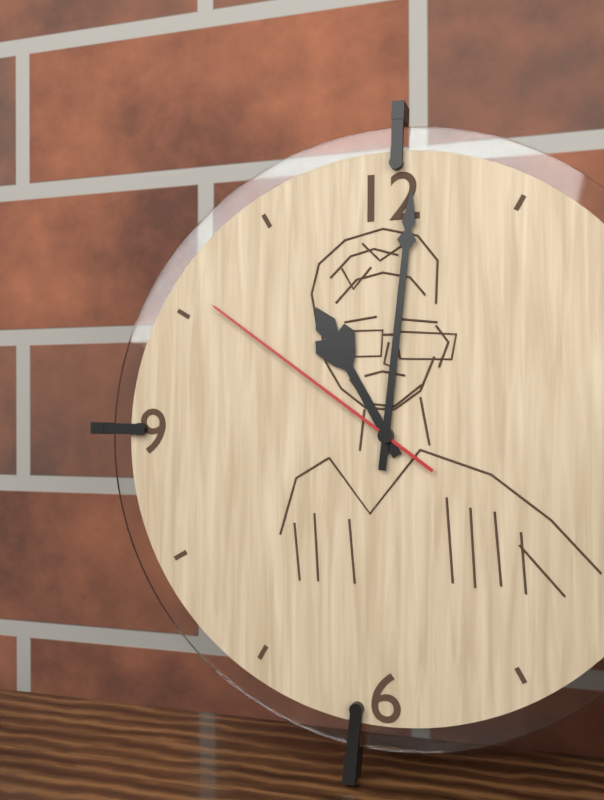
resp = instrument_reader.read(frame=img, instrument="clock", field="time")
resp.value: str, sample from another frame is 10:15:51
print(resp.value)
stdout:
11:01:51
